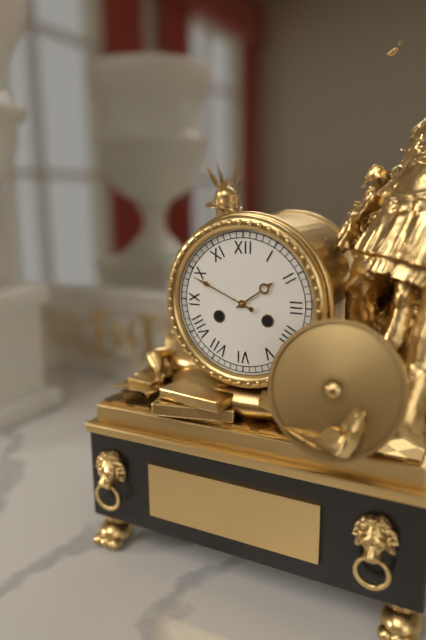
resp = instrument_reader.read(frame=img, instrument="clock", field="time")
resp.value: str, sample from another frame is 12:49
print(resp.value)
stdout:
1:49
